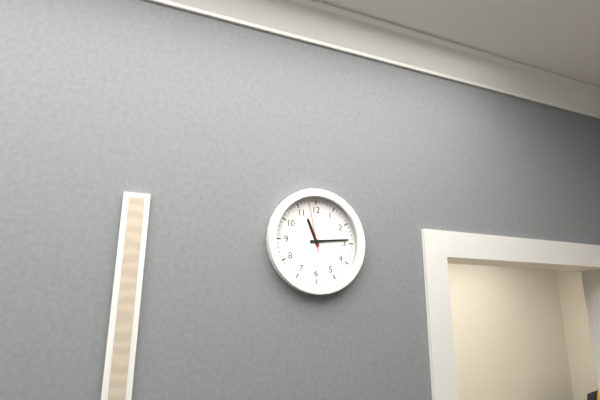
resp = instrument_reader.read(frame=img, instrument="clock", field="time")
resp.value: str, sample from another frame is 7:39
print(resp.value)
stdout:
11:14
